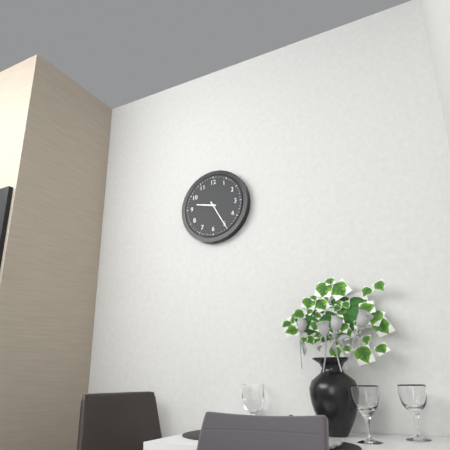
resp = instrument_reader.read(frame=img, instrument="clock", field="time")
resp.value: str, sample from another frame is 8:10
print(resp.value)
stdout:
9:25
